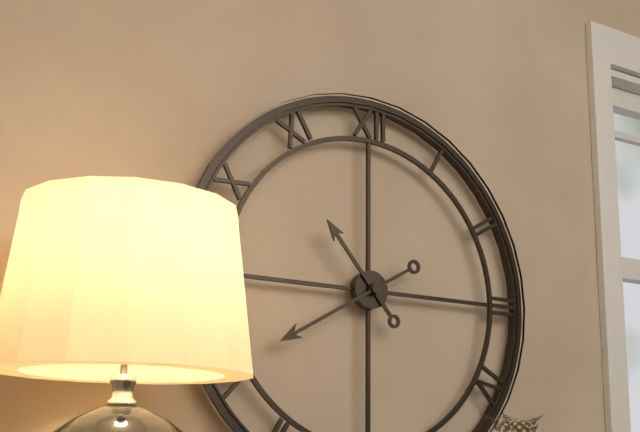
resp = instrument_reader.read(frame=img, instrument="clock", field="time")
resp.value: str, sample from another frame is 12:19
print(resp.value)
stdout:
10:40
